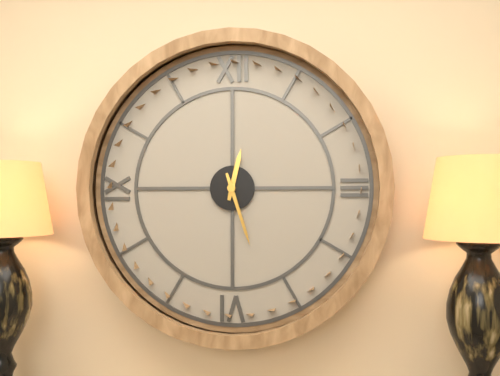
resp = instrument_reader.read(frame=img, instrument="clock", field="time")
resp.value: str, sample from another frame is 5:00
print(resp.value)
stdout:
12:27
